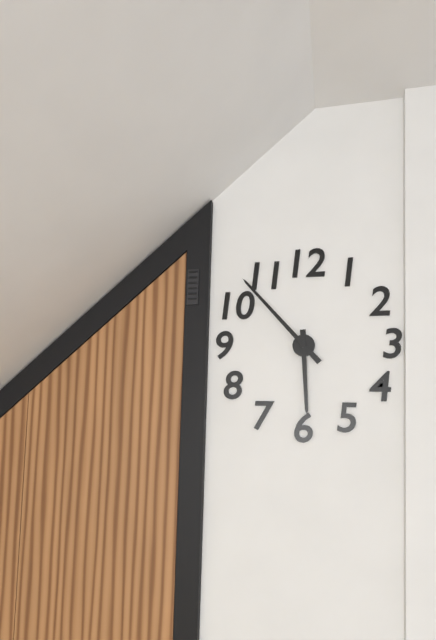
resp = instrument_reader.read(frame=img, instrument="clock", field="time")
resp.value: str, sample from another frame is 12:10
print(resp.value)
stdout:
5:53
